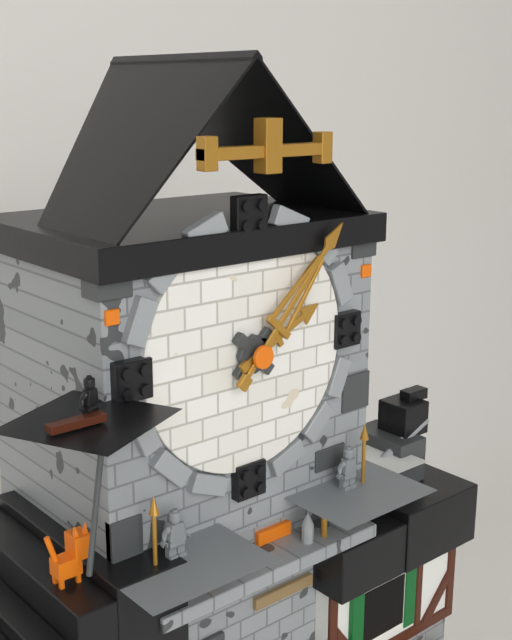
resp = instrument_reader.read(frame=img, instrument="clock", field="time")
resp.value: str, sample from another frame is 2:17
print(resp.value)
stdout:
2:07
